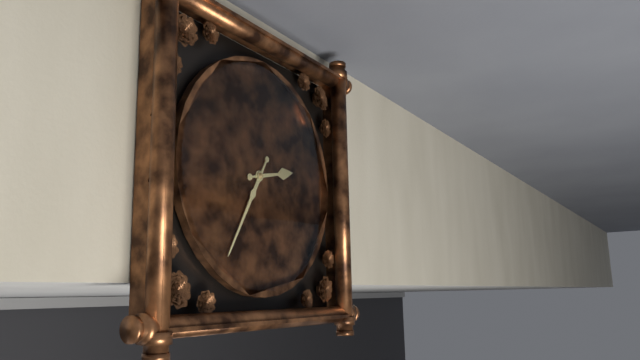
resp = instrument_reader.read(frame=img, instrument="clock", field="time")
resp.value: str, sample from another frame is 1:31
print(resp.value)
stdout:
2:35
